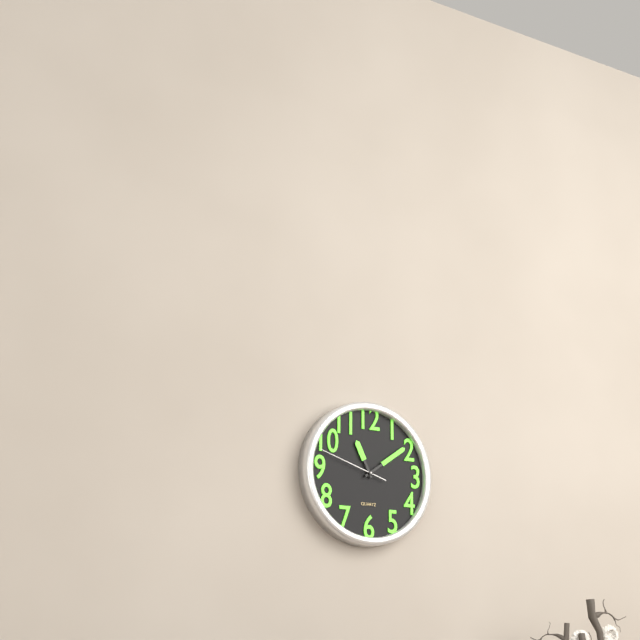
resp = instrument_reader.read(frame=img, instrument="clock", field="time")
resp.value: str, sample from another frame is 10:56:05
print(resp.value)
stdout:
11:09:48
